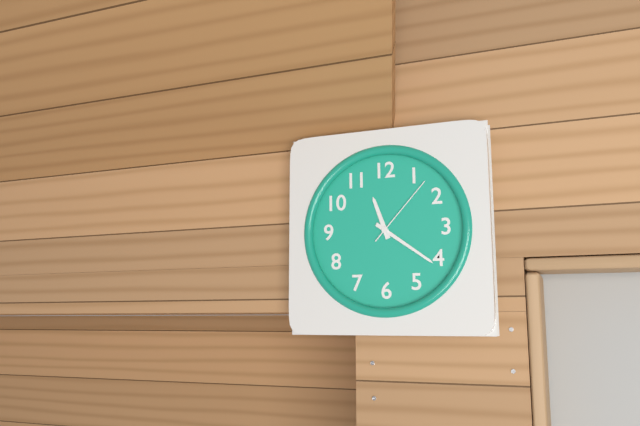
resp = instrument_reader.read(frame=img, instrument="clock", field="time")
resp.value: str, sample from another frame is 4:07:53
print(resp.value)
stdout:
11:21:07
